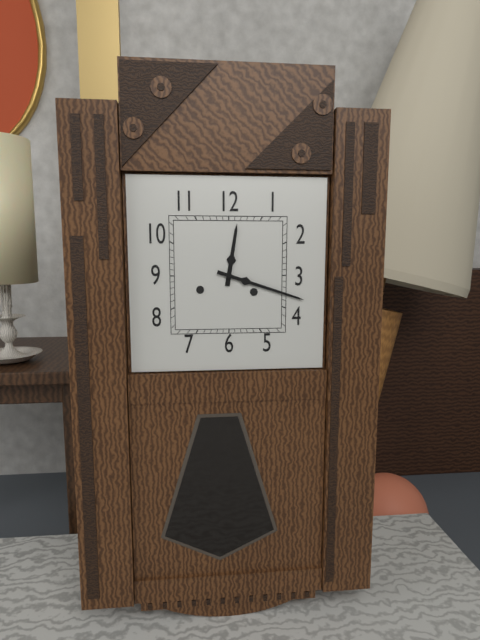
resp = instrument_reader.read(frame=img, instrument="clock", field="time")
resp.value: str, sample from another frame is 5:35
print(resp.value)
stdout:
12:18
